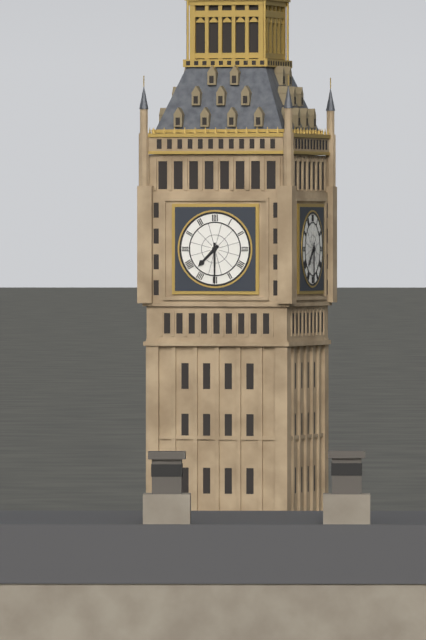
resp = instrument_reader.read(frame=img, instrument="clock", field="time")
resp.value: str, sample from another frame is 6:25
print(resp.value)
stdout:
7:30
